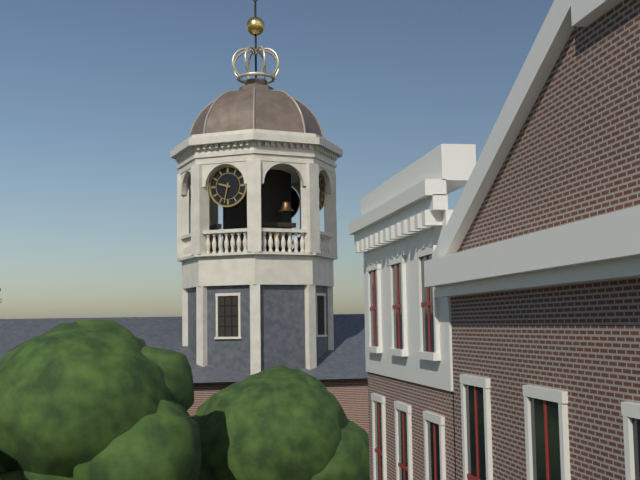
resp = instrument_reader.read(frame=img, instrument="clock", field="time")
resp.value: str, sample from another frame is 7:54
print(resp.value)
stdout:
9:32
